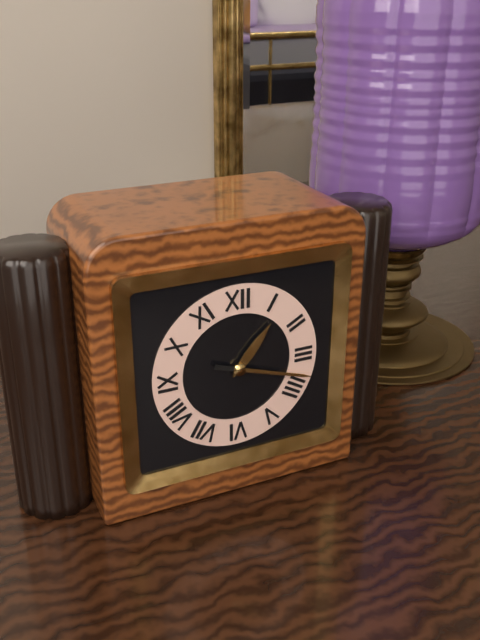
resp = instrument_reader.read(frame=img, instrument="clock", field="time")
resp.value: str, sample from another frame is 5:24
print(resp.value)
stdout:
1:18
